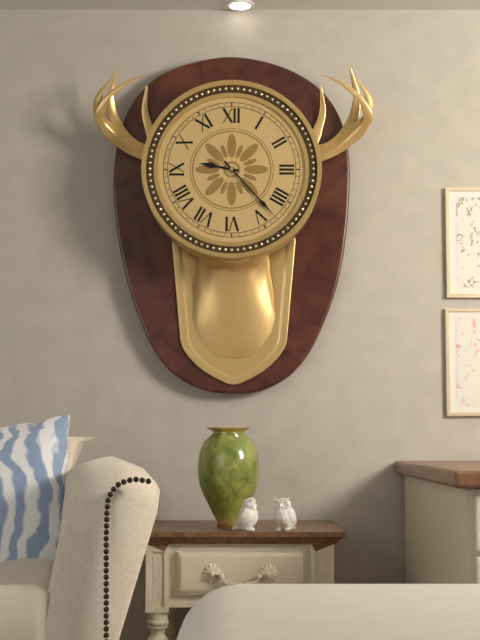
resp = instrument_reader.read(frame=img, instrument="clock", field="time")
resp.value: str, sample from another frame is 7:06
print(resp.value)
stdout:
9:23
